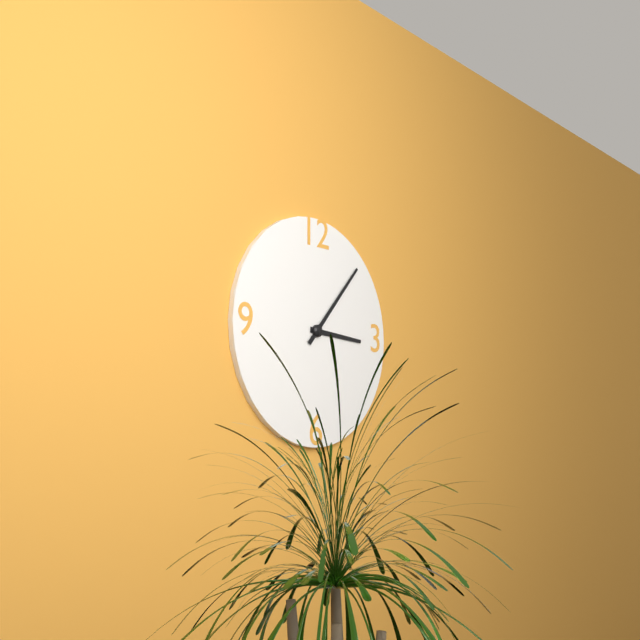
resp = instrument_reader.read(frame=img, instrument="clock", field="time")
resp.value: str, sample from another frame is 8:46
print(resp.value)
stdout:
3:07
